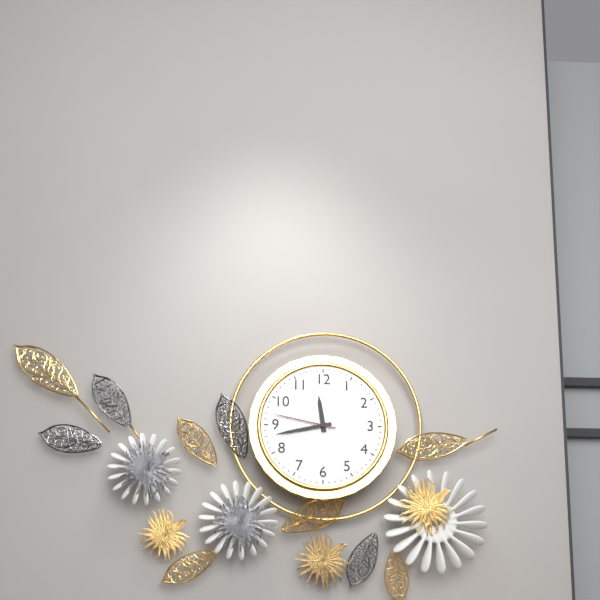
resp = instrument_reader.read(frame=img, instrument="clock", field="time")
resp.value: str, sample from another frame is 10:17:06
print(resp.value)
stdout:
11:43:47
